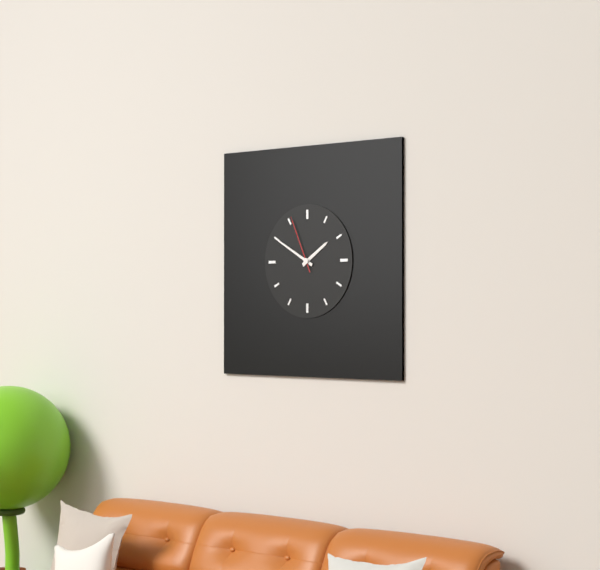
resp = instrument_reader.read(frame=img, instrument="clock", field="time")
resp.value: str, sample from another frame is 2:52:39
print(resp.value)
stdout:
1:50:56
